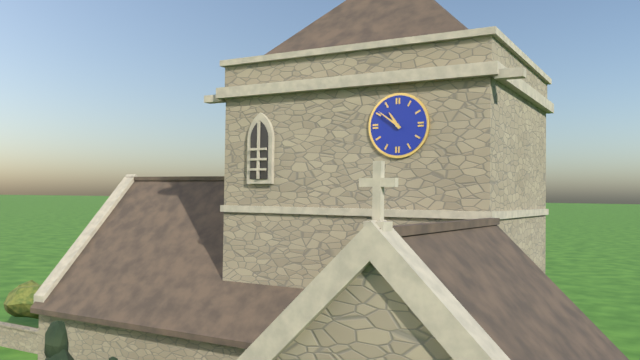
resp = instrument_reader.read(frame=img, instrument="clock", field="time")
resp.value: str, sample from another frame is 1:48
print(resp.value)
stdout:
10:51
